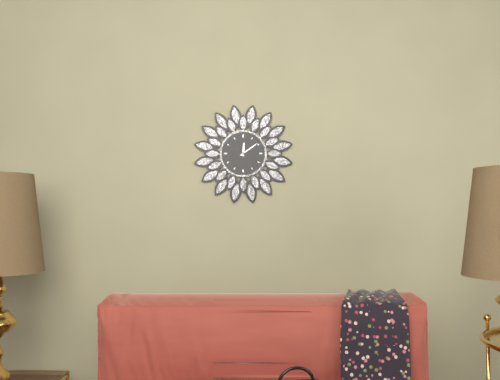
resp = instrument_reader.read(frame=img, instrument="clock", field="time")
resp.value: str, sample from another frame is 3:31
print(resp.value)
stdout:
12:09
